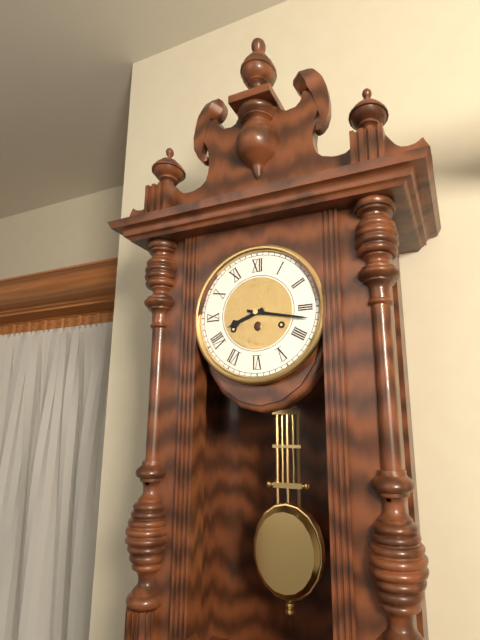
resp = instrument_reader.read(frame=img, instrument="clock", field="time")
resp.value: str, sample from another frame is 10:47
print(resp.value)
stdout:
8:17
